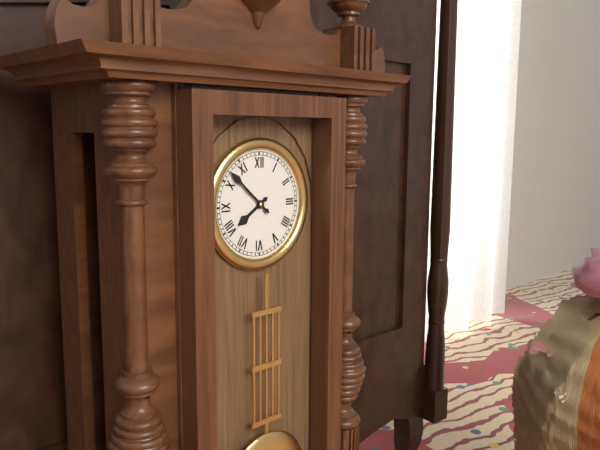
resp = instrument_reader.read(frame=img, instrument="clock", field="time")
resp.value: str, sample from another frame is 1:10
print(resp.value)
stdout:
7:52
